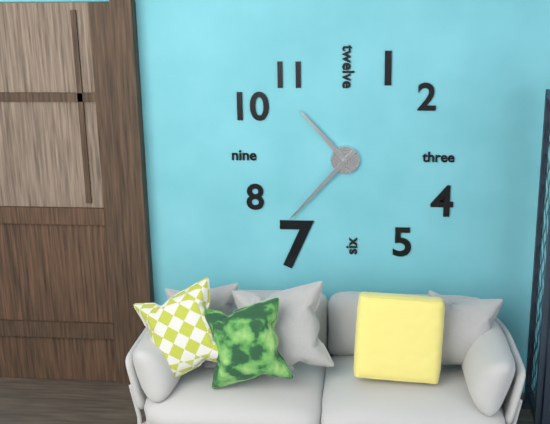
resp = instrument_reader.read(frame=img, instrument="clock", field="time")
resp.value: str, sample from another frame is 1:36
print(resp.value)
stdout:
10:37
